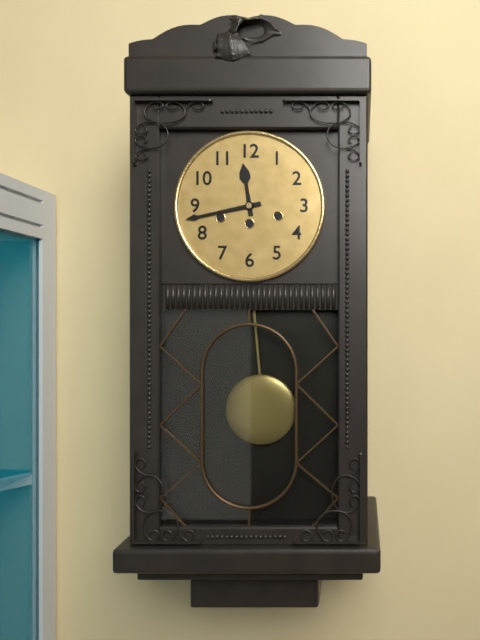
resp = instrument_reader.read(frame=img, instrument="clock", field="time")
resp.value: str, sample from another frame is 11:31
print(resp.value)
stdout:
11:43
